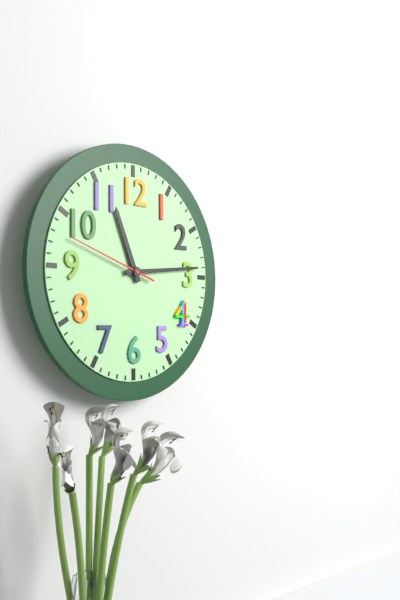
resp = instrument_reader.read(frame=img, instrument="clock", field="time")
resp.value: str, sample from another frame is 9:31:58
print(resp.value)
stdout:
11:14:48
